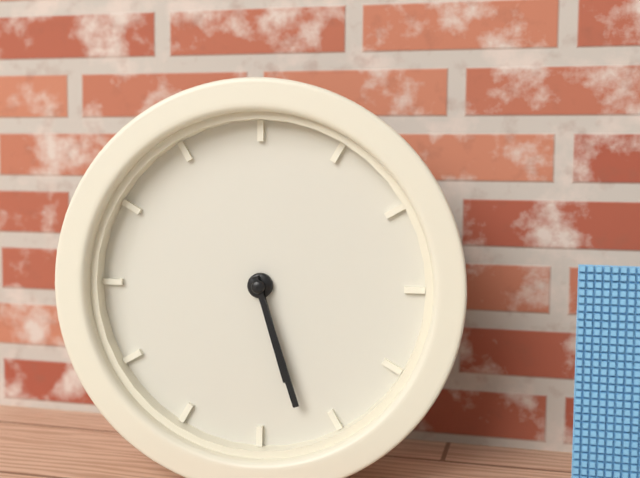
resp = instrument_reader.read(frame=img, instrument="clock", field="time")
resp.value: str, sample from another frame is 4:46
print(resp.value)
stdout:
5:27
